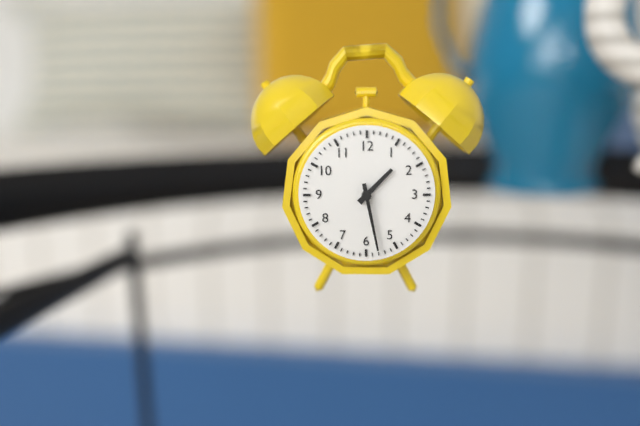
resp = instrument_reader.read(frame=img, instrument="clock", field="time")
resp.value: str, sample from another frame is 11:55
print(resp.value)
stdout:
1:28
